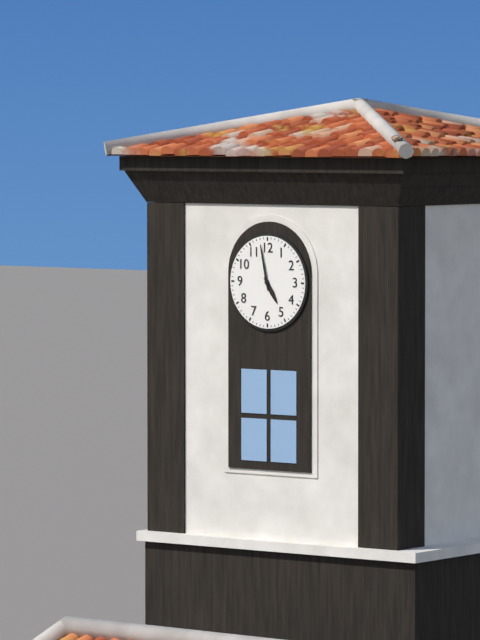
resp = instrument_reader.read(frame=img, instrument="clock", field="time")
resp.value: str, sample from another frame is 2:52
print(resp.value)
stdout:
4:58
